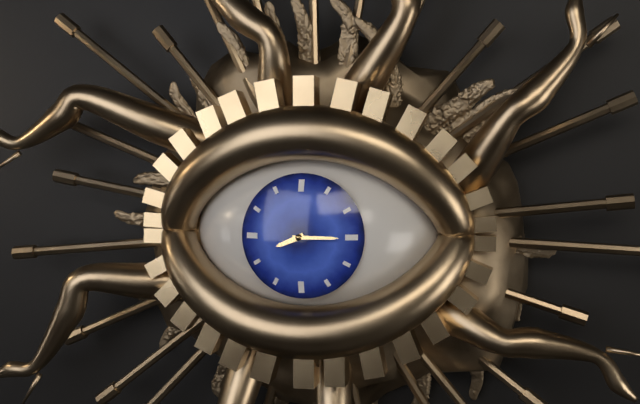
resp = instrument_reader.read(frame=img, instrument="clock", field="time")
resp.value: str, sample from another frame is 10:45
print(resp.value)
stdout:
8:15
